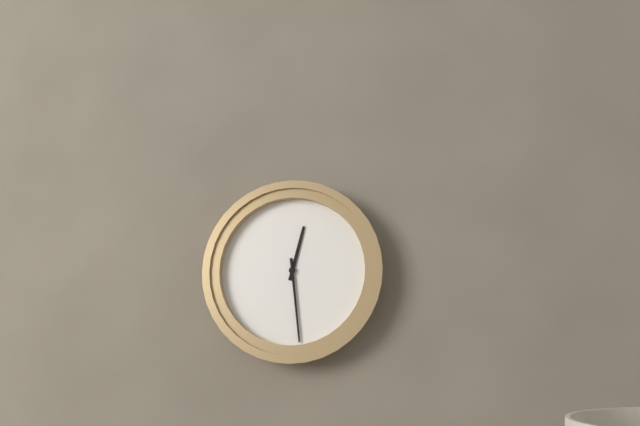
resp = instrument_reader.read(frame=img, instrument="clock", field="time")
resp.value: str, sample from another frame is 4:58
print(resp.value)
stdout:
12:29
